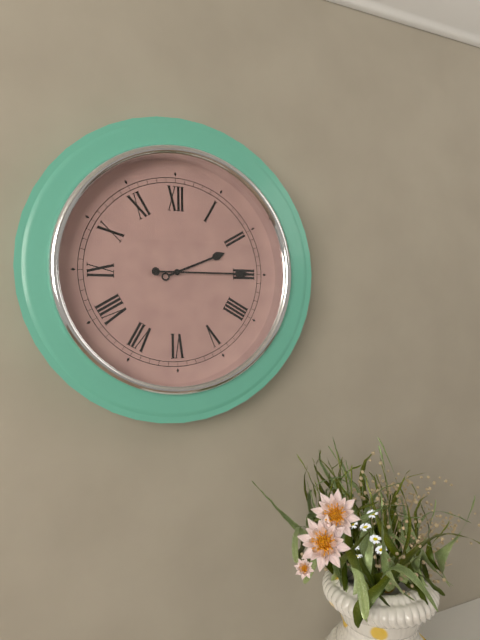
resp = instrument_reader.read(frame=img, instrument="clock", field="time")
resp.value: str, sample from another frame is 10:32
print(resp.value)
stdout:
2:15
